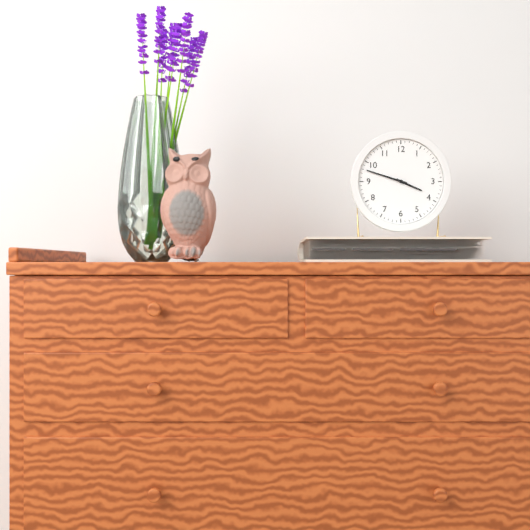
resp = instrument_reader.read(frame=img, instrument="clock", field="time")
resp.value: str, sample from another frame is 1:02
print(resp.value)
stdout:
3:48
